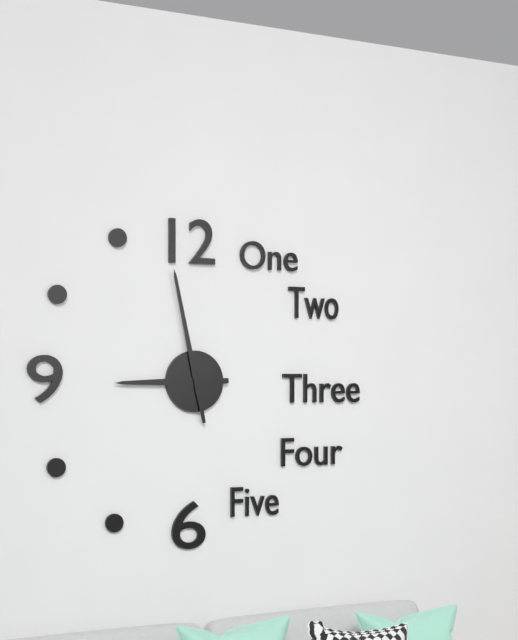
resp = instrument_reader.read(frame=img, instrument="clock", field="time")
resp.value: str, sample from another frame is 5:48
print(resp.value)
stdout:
8:58
